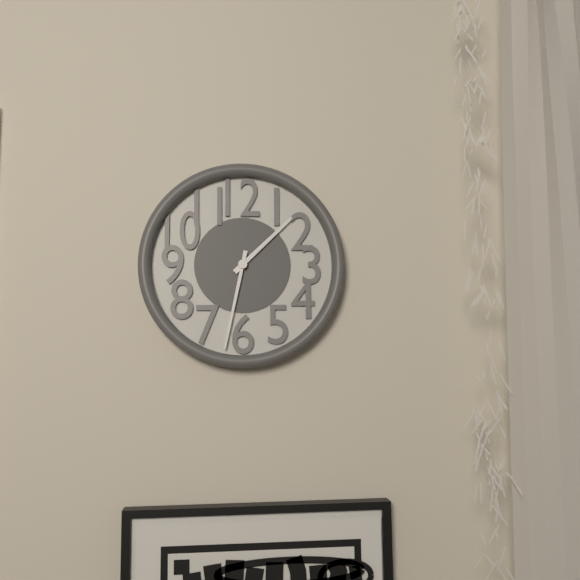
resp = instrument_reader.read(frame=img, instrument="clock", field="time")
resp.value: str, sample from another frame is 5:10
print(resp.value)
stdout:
1:32
